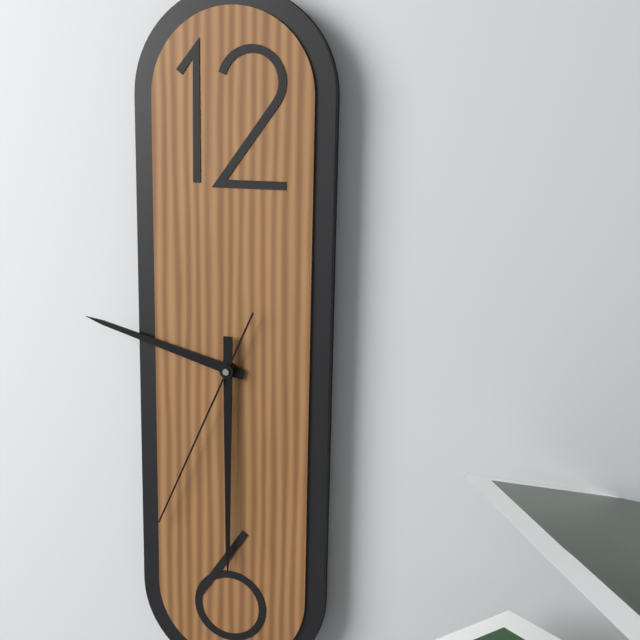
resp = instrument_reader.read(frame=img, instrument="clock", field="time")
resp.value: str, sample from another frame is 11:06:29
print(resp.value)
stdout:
9:30:34
